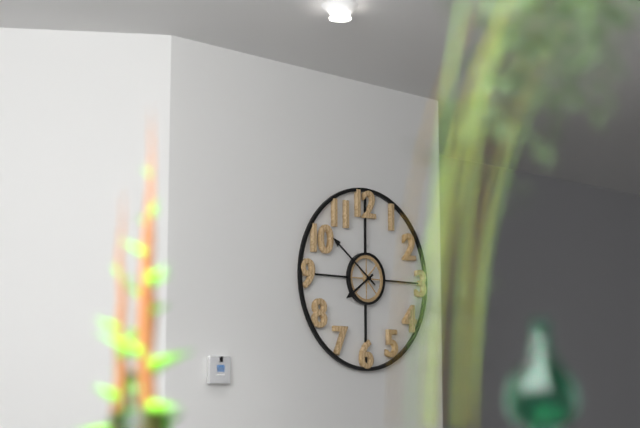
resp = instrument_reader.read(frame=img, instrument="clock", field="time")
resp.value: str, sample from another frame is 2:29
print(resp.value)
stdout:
7:51
